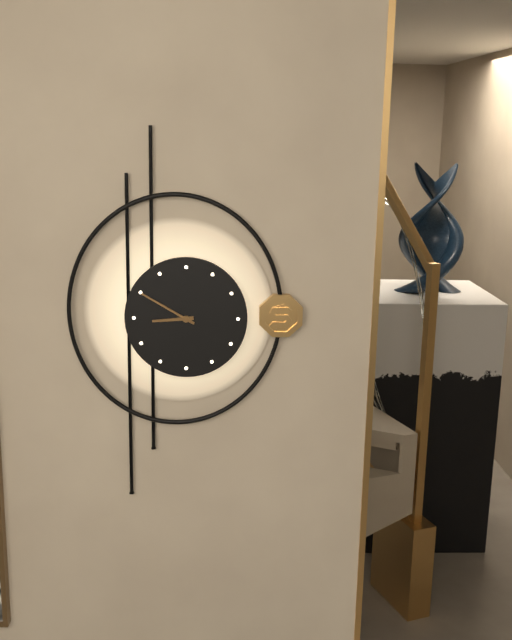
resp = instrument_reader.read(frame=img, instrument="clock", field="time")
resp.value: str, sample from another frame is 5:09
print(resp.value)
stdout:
8:50
